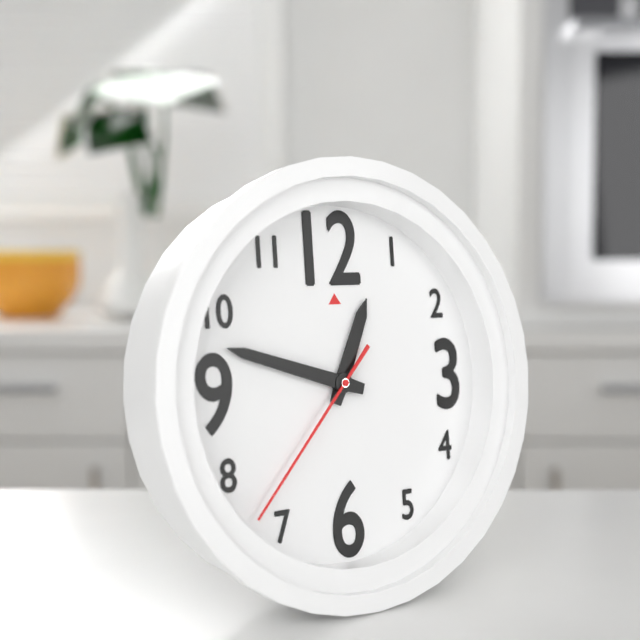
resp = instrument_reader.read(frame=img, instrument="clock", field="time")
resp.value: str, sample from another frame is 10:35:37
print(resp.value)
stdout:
12:48:37
